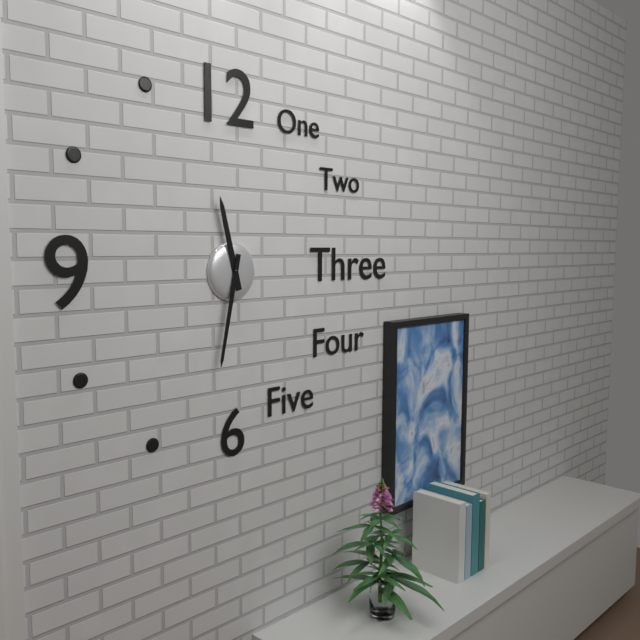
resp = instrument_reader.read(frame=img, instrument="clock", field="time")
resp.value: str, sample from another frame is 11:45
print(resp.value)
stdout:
11:32
